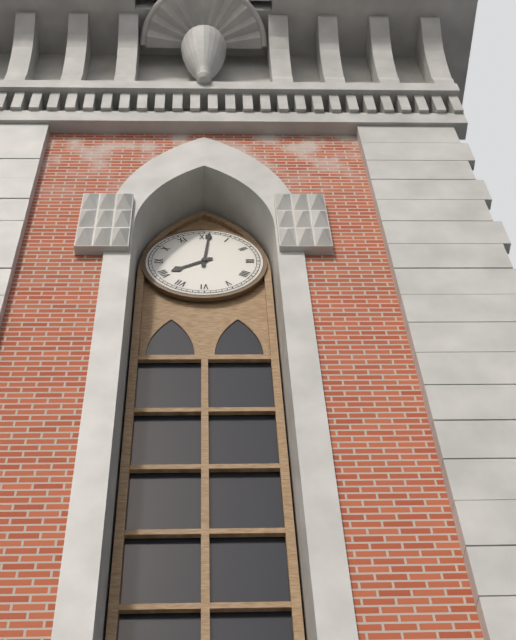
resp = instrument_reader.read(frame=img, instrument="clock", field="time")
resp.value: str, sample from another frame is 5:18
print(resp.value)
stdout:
8:01
